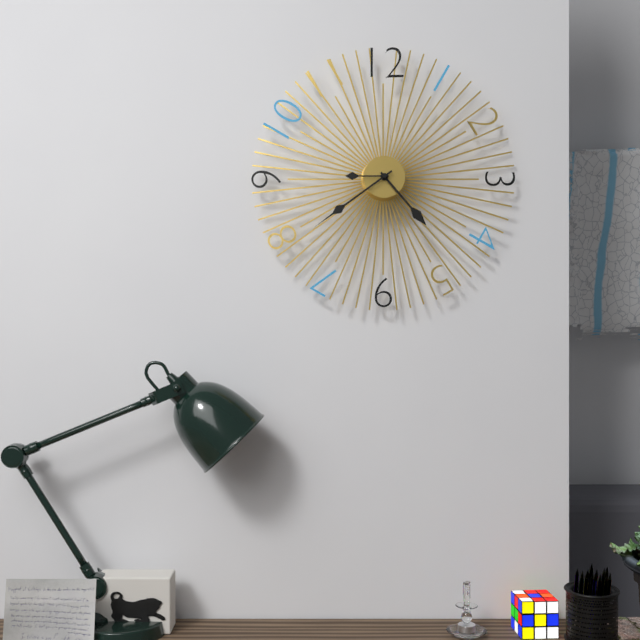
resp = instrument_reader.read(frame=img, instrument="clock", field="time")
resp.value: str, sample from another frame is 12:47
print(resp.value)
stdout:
4:39
